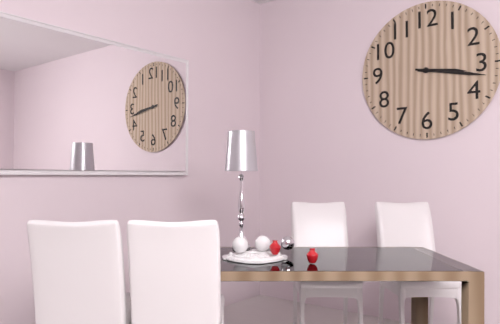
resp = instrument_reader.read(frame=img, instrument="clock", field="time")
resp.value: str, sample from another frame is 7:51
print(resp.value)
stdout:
3:17
